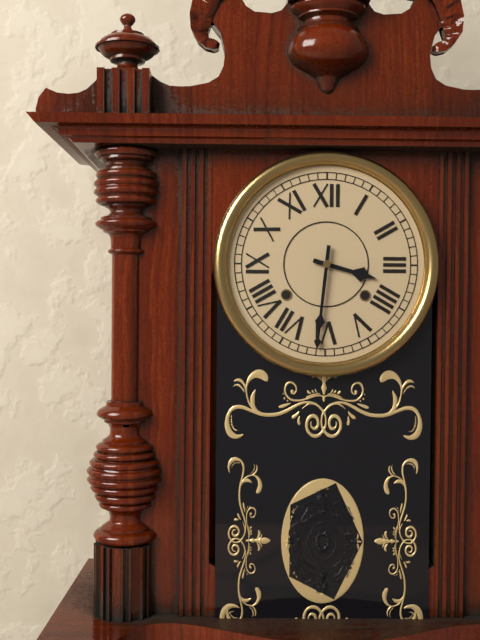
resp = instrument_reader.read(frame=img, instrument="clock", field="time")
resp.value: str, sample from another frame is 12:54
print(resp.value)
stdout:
3:31
